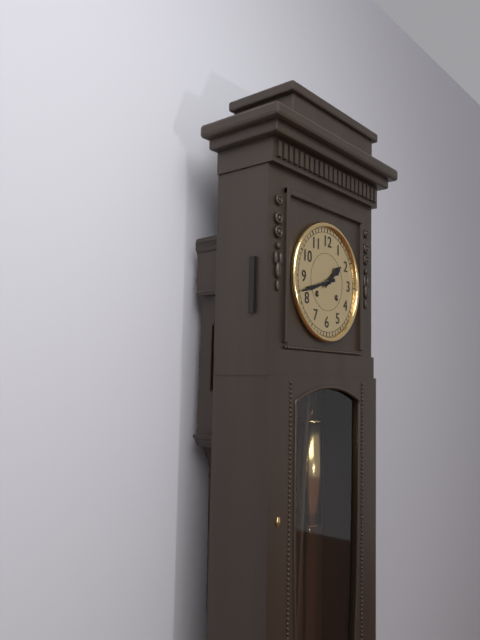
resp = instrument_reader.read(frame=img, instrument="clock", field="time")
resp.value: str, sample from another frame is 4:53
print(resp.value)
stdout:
1:42
